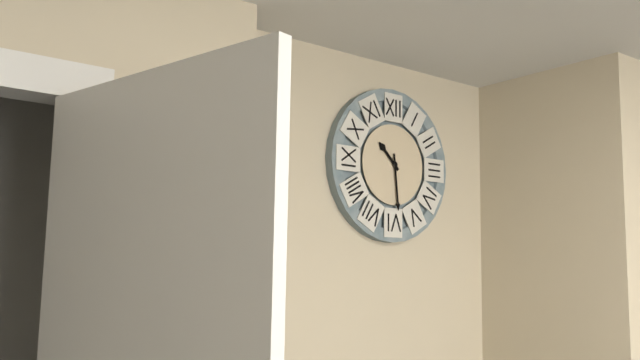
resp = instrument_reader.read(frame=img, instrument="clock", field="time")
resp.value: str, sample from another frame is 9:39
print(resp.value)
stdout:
10:29
